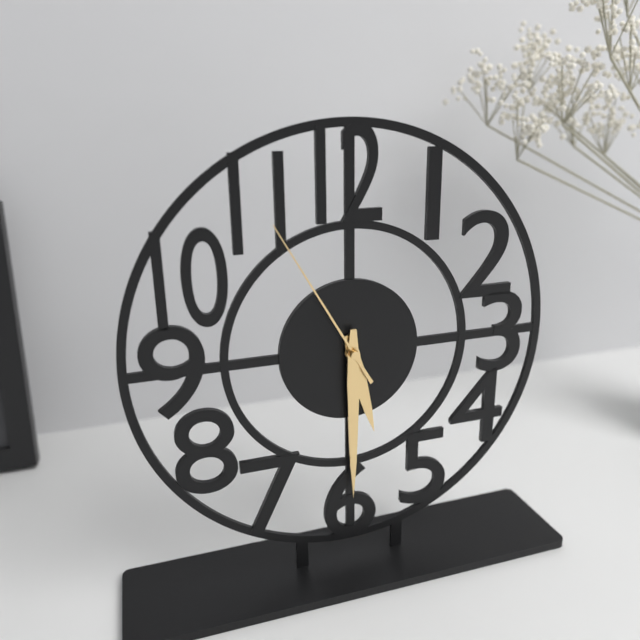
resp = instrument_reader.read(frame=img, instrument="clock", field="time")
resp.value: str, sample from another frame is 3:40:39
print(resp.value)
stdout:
5:30:55
